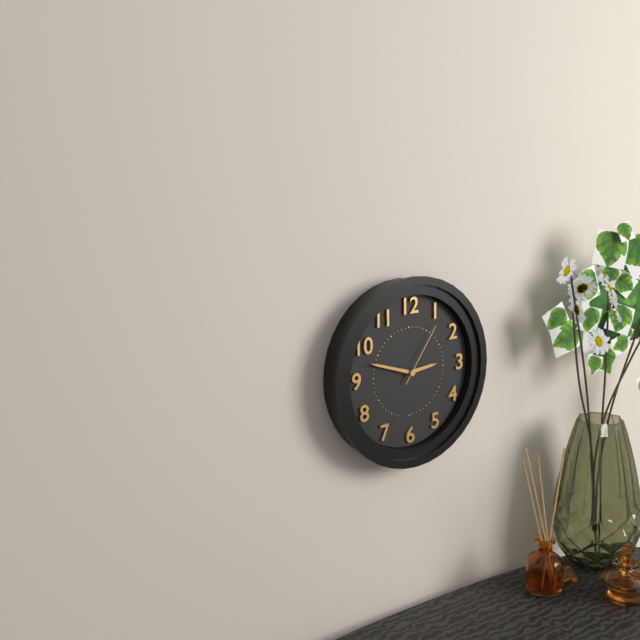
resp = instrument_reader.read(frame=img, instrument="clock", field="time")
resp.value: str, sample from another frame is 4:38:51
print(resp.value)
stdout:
2:48:06
